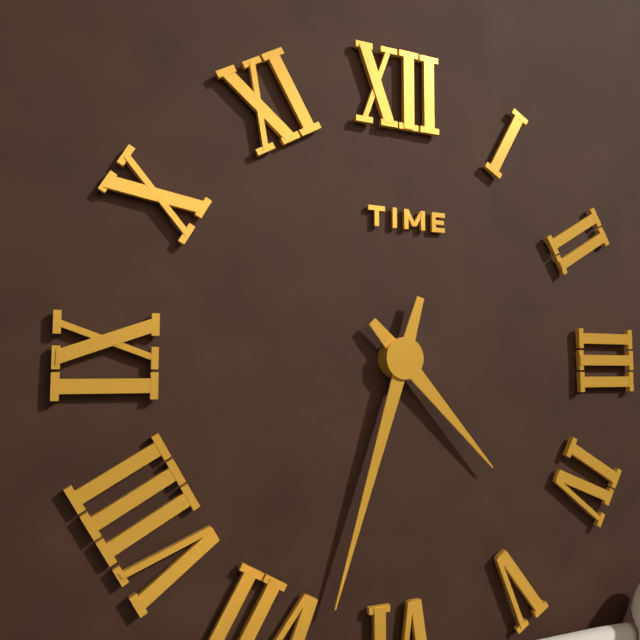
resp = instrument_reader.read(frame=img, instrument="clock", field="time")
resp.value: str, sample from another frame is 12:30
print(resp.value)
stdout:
4:33
